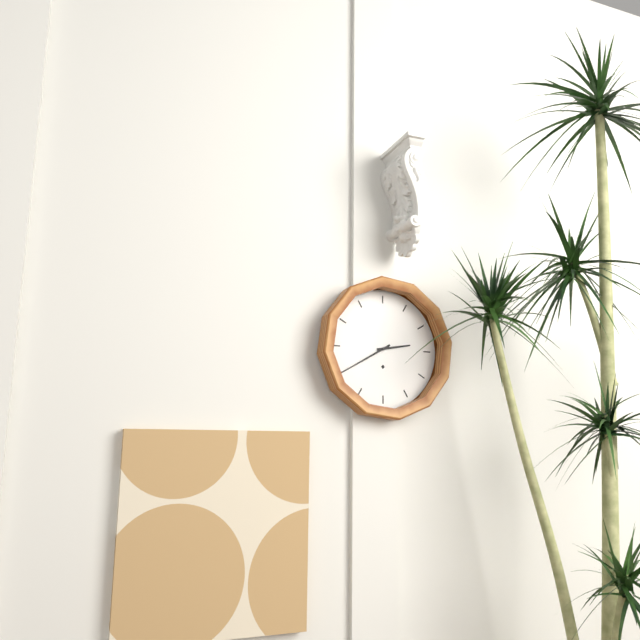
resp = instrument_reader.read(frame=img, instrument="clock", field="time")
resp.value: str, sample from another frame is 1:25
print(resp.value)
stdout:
2:40
